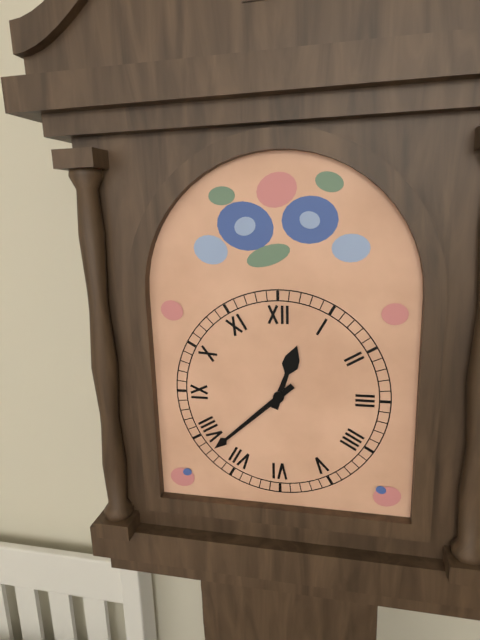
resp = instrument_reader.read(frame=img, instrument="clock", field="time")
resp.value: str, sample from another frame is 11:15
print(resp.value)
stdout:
12:38
